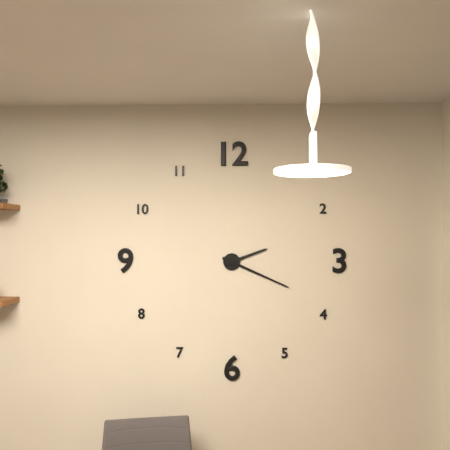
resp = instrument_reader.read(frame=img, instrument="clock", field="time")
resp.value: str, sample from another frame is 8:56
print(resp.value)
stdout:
2:19
